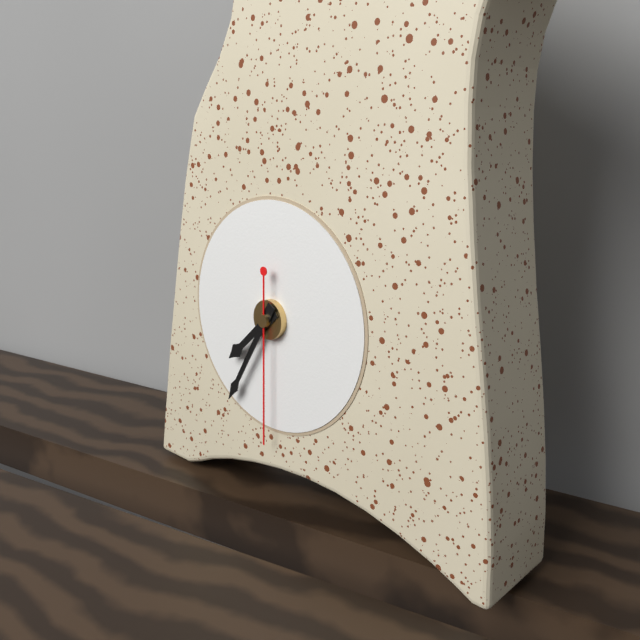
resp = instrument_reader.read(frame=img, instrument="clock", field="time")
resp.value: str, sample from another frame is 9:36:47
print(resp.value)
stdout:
7:35:30
